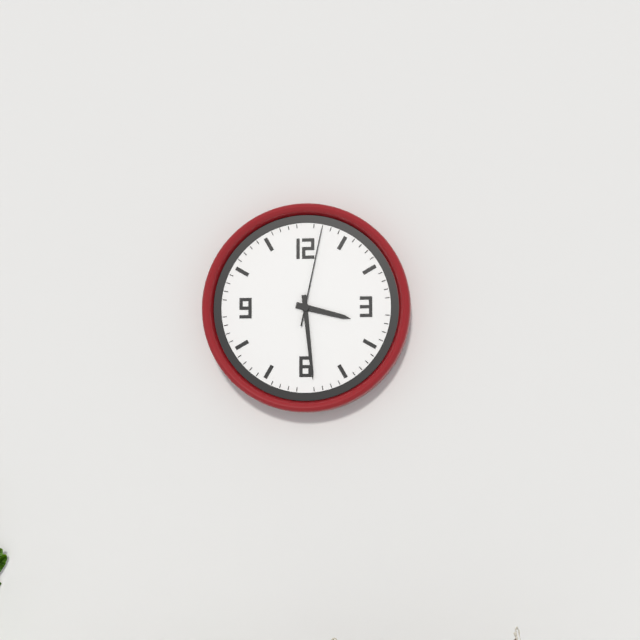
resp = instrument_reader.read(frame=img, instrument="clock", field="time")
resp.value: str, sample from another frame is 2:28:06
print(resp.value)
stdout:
3:29:02
